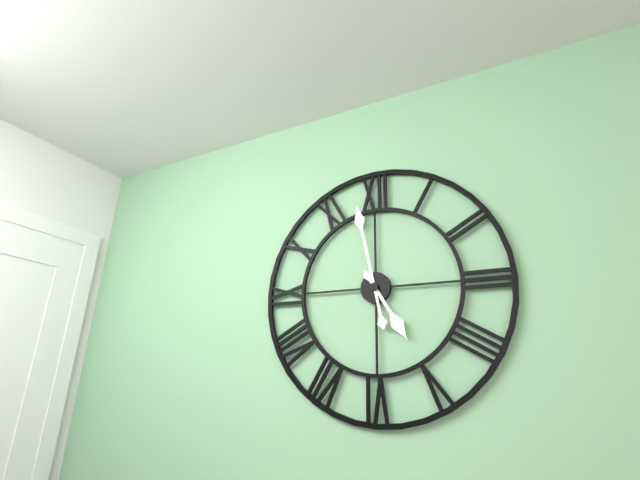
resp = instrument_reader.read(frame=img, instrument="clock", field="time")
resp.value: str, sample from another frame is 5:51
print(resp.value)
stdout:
4:58
